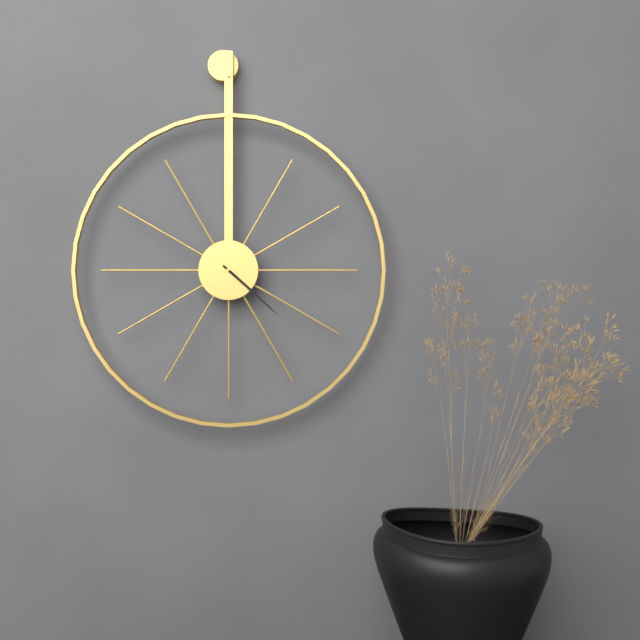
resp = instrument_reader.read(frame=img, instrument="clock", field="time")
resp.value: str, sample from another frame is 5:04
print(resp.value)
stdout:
4:22
